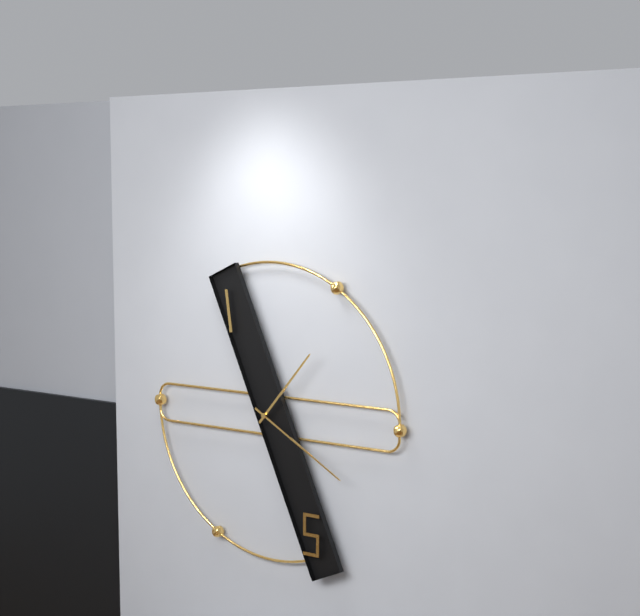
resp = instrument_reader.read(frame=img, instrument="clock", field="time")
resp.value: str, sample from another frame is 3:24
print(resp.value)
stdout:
1:20
